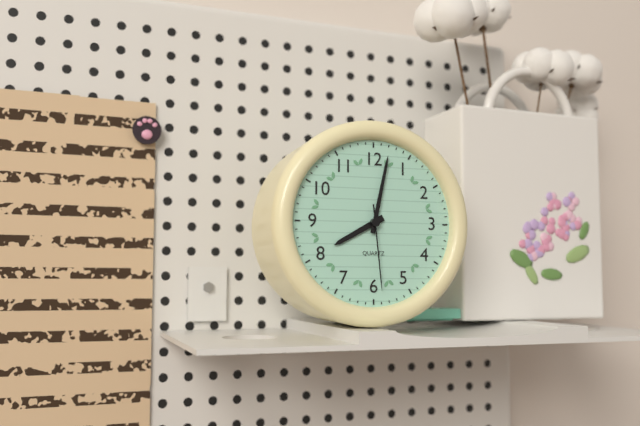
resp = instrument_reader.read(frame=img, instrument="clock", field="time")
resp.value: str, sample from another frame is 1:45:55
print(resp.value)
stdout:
8:02:29
